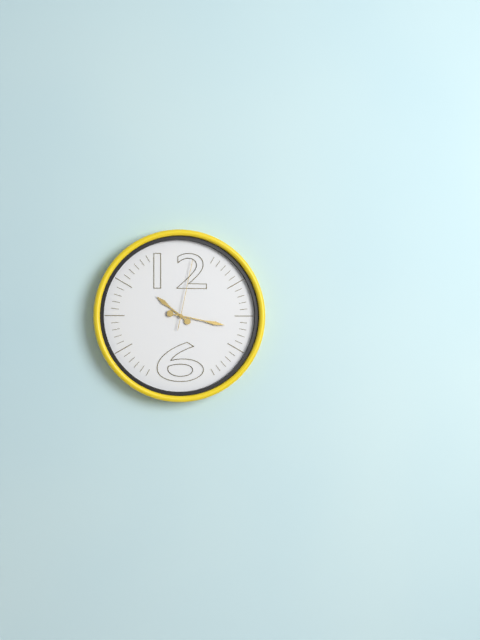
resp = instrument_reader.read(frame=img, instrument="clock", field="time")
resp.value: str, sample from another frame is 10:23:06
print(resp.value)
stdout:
10:17:02
